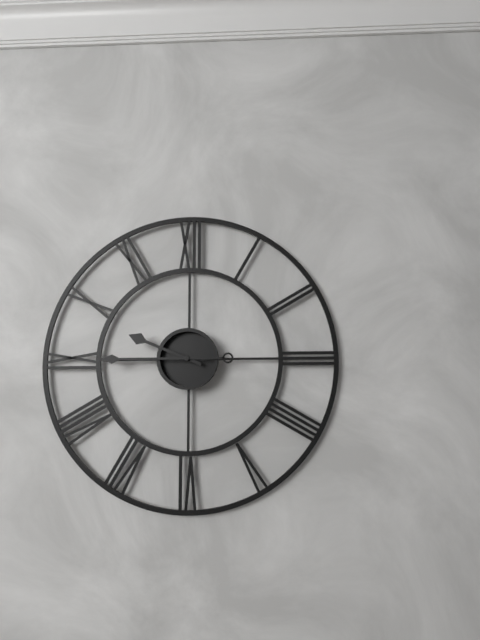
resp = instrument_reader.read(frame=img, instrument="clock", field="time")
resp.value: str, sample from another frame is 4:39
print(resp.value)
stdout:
9:45
